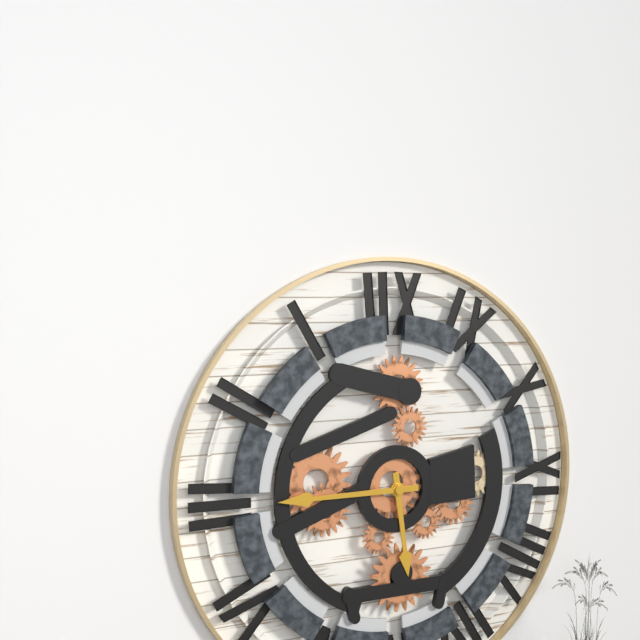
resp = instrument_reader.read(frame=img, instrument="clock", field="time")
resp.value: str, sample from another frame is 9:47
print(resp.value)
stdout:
5:45
